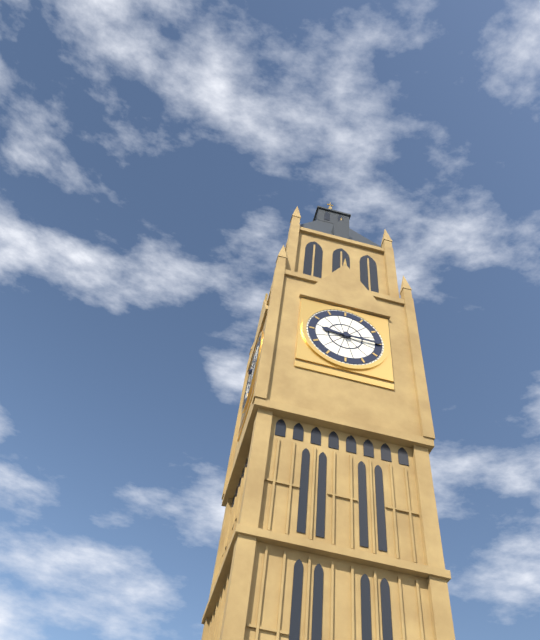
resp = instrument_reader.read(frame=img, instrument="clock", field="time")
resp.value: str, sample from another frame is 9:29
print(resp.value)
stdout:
9:15
